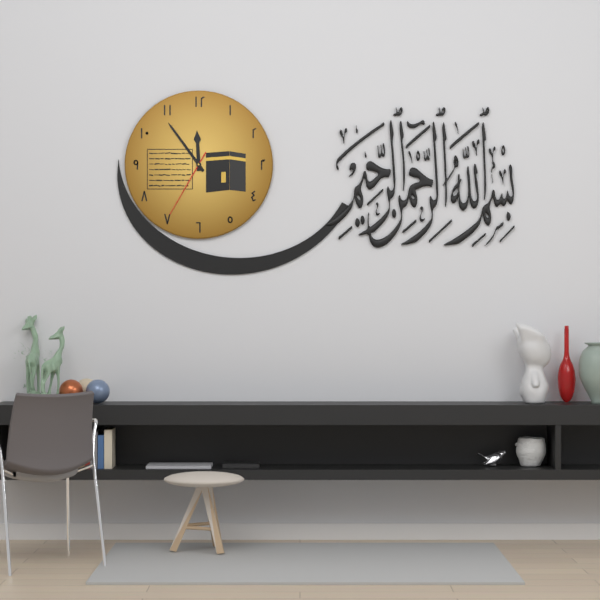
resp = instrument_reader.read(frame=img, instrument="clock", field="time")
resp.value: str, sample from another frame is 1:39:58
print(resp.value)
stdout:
11:54:35
